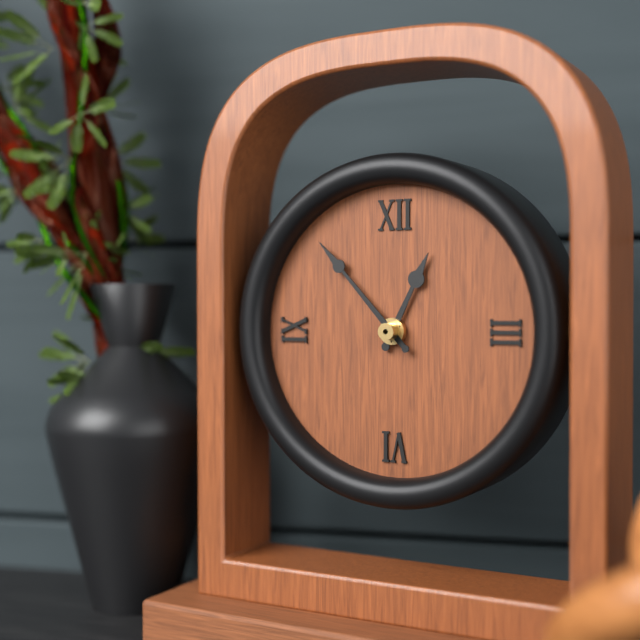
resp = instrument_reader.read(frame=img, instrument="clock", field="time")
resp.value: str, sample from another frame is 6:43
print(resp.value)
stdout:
12:53
